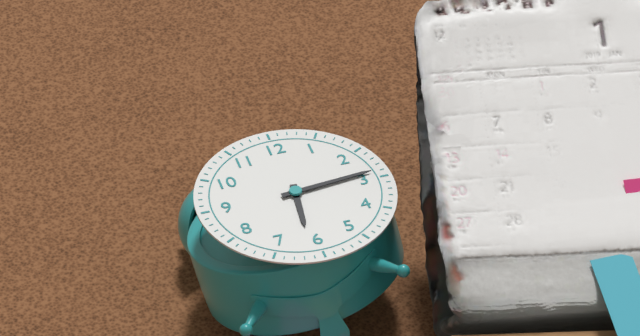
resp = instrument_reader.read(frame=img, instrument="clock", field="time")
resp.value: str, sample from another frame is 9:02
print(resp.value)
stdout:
6:14
